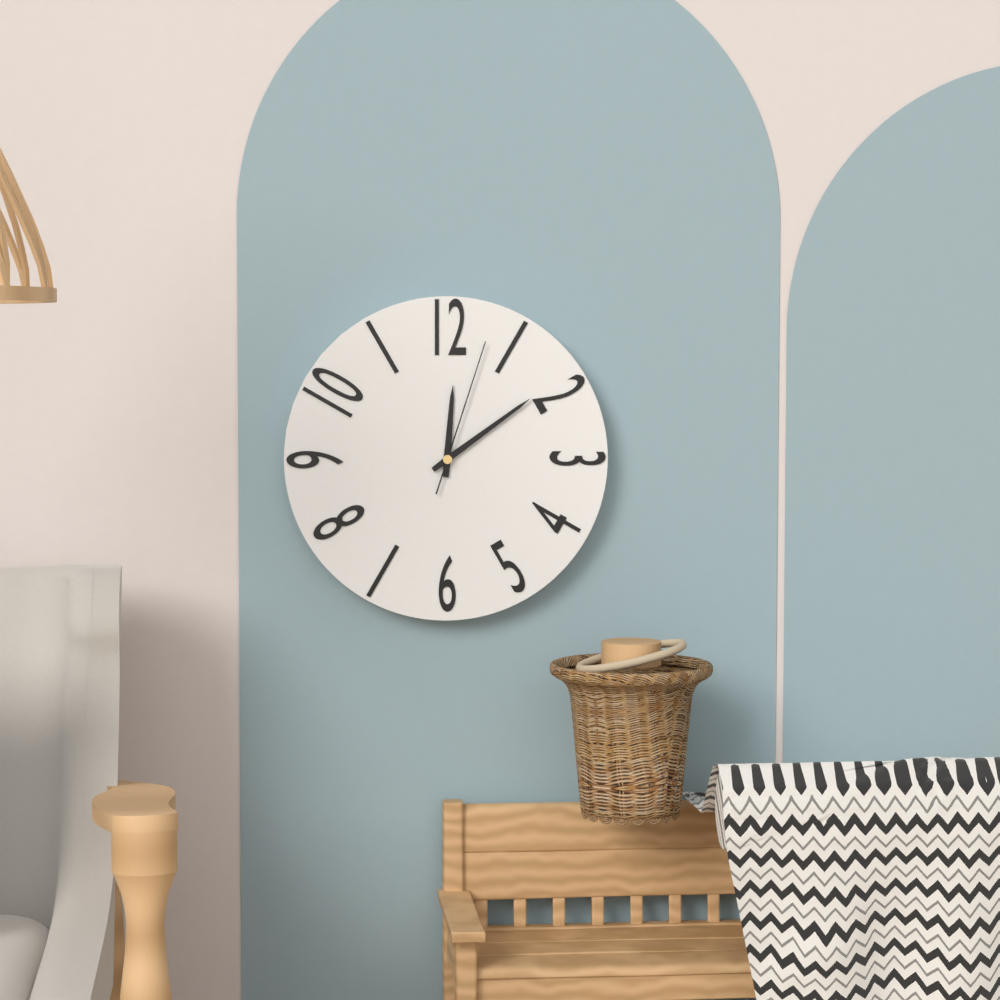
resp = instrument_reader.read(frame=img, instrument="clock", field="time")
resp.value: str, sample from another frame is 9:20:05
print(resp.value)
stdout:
12:09:03
